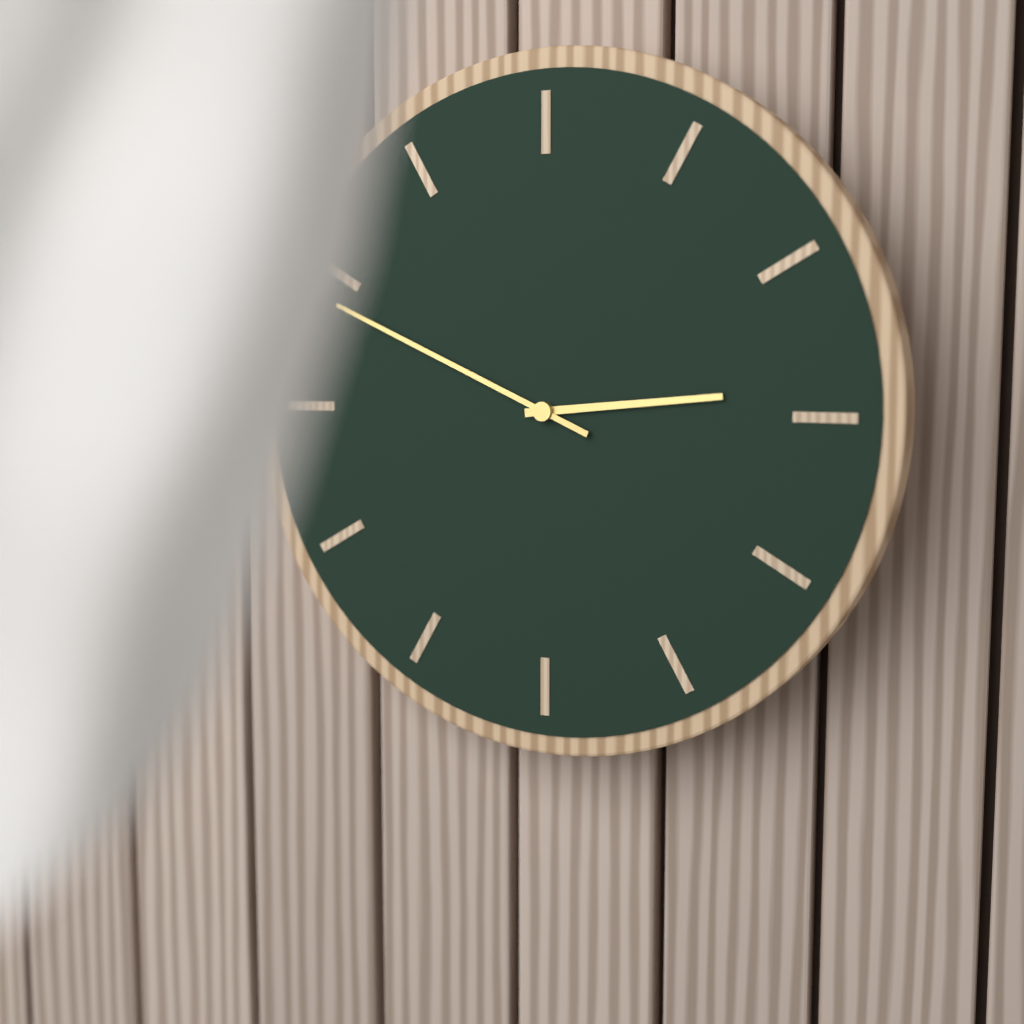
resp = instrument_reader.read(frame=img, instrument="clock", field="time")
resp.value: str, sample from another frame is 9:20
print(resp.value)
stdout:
2:49
